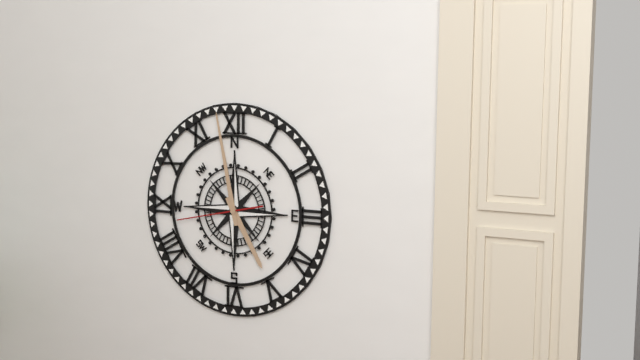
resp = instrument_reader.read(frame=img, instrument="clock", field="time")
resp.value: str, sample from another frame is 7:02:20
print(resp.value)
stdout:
4:58:43
